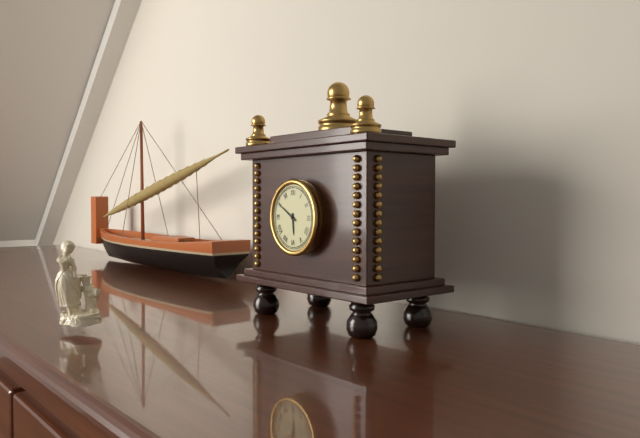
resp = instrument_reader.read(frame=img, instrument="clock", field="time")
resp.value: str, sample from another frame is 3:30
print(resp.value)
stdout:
5:50
